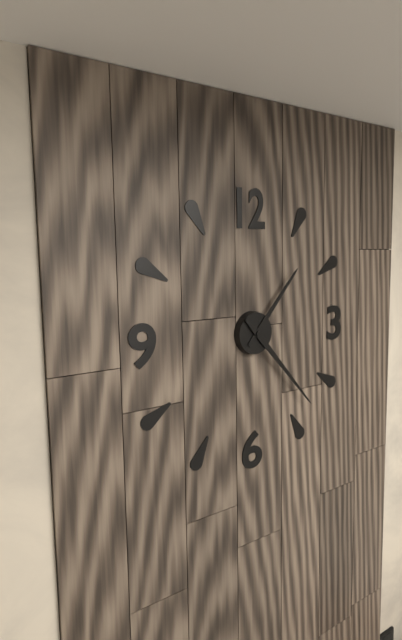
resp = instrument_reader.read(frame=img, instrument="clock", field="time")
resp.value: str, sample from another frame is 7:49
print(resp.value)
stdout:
1:23
